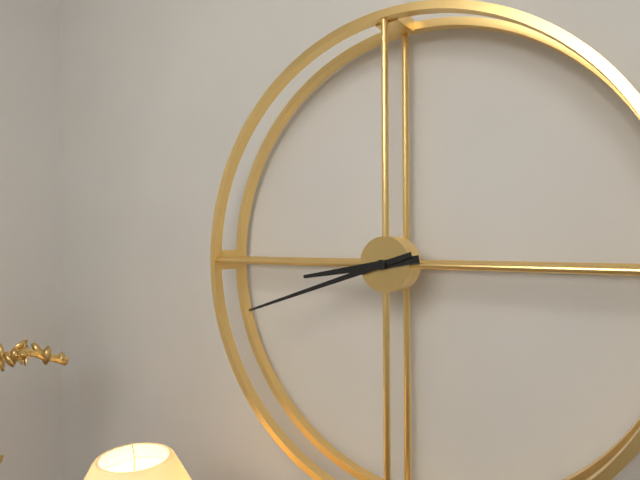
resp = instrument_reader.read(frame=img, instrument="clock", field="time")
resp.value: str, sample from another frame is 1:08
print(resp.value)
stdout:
8:42
